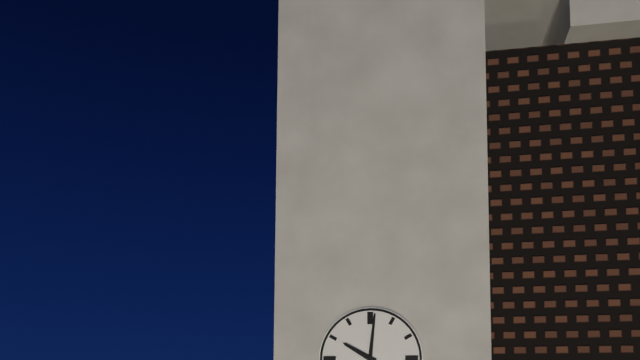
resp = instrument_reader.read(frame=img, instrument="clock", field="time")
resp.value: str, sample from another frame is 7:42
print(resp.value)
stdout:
10:01
